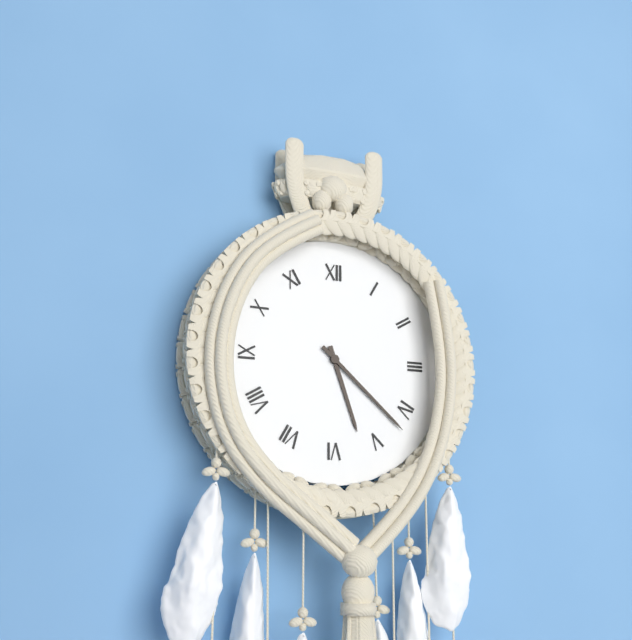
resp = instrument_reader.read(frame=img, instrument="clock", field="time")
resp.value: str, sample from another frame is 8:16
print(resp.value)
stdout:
5:22
